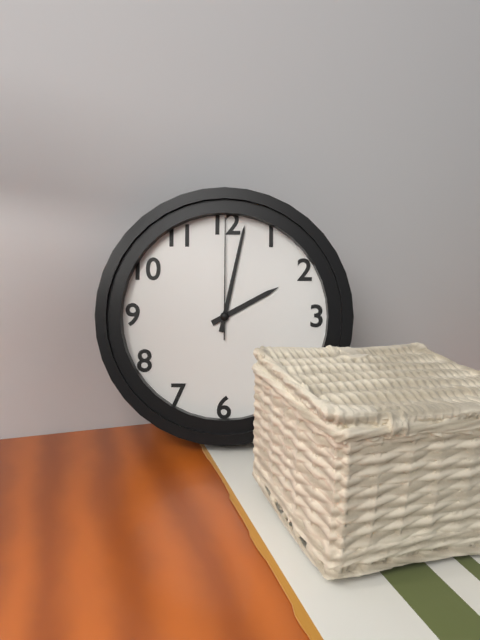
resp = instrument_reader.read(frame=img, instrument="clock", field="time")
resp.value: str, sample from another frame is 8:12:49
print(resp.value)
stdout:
2:02:00
